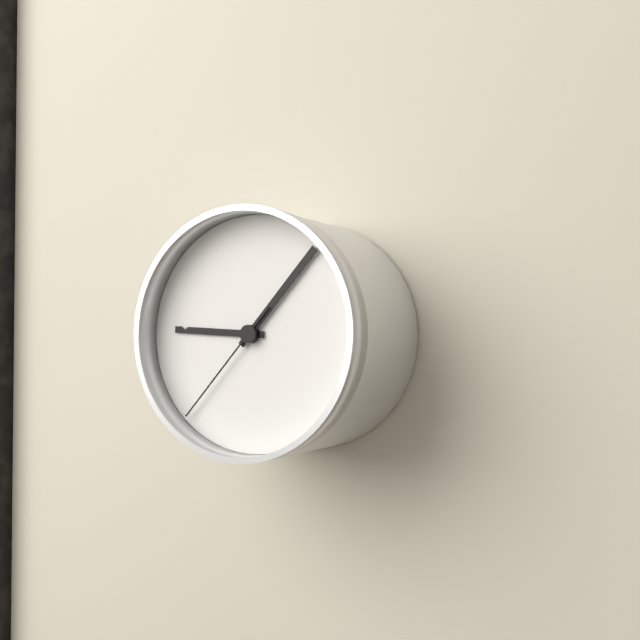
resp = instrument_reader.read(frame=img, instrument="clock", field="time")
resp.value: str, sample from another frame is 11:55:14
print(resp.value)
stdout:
9:07:37
